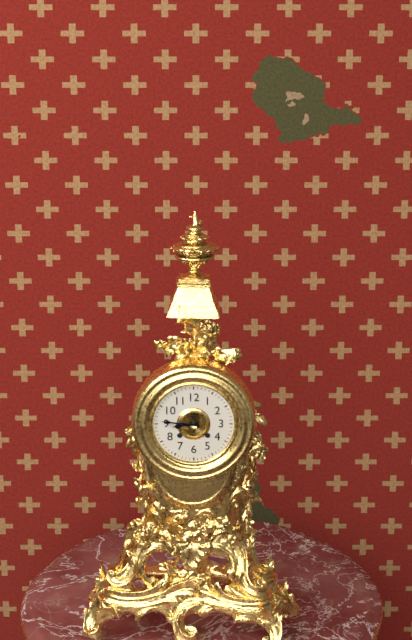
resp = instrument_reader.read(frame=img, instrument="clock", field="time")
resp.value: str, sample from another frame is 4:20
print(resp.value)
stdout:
8:46
